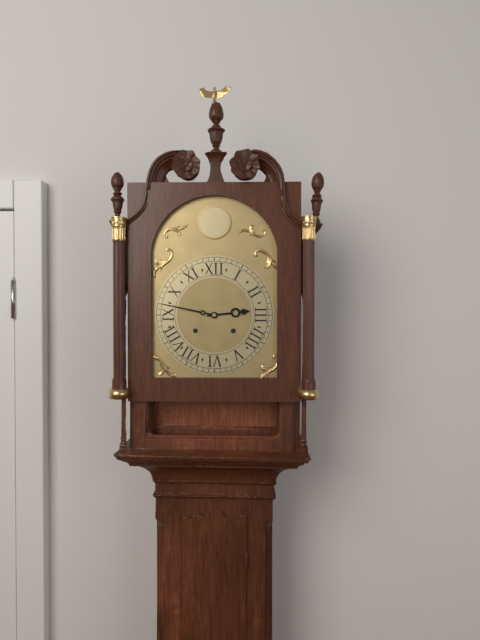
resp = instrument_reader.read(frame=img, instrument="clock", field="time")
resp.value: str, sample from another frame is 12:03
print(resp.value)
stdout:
2:47
